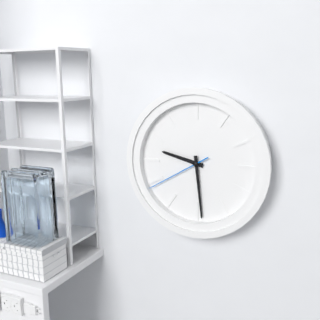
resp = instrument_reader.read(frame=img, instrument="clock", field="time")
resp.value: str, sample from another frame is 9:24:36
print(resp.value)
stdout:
9:29:40
